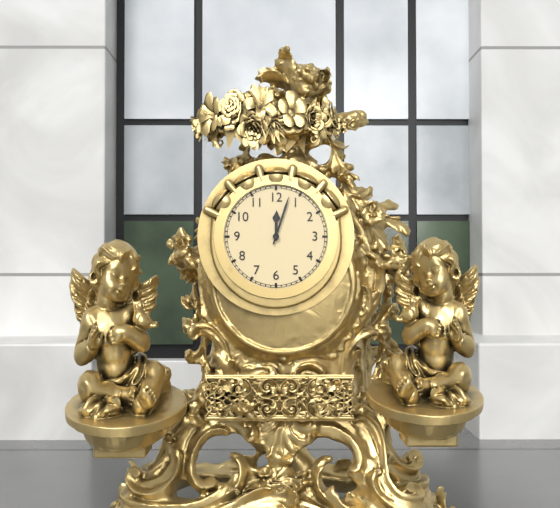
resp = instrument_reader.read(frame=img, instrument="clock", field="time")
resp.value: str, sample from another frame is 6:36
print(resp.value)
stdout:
12:03
